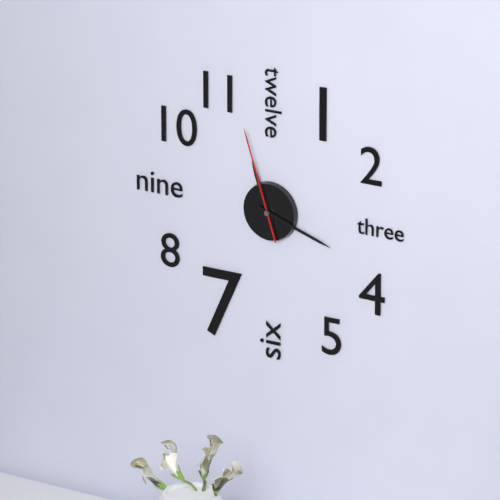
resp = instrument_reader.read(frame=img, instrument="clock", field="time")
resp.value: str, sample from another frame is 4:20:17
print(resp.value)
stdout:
11:18:57
